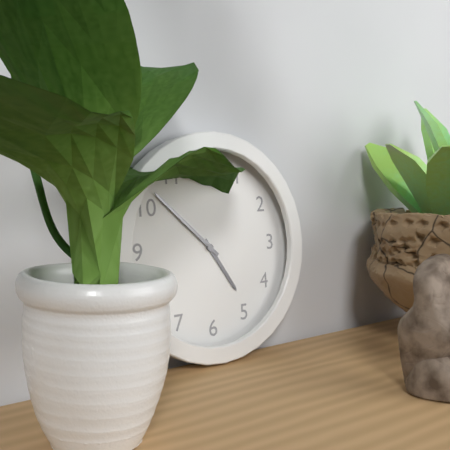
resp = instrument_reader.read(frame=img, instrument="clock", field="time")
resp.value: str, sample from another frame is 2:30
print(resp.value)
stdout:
4:52
